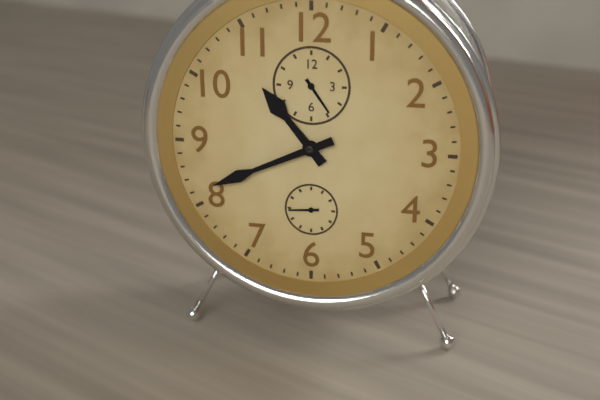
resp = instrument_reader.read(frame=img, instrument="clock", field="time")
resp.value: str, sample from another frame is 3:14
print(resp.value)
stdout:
10:41
